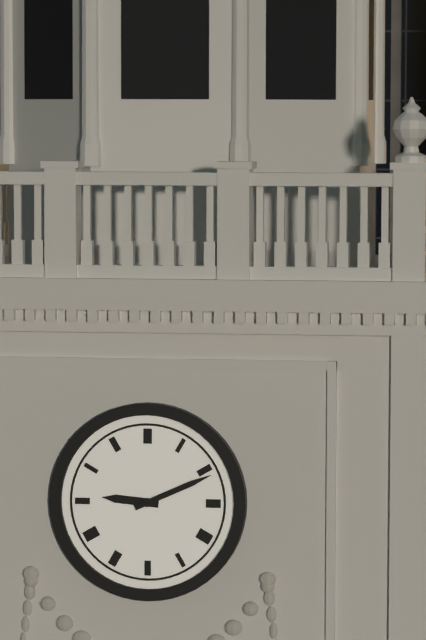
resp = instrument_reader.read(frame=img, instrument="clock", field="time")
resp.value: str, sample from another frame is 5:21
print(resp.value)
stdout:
9:11
